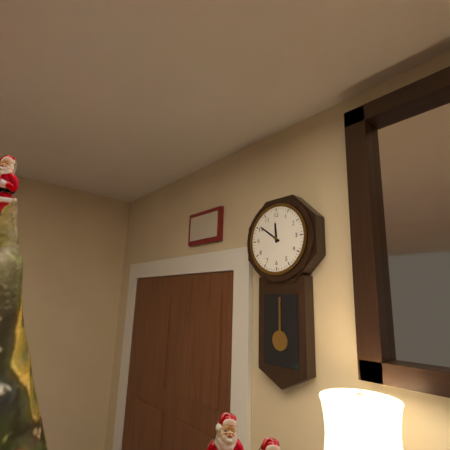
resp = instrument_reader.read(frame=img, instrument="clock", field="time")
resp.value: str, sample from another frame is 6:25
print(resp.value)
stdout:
11:51
